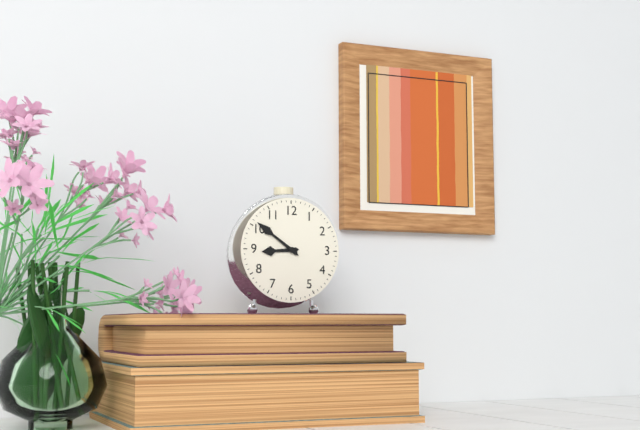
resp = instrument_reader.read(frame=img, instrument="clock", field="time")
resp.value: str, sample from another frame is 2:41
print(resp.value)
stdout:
8:51
